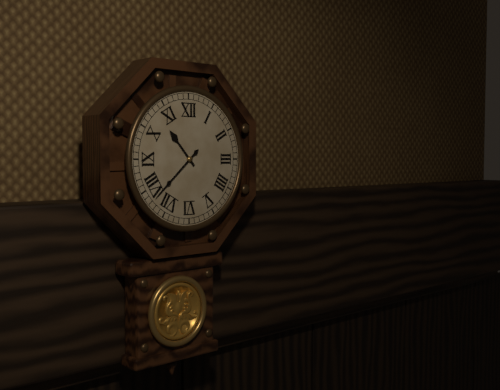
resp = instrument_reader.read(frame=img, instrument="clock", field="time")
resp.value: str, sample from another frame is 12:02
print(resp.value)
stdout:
10:38
